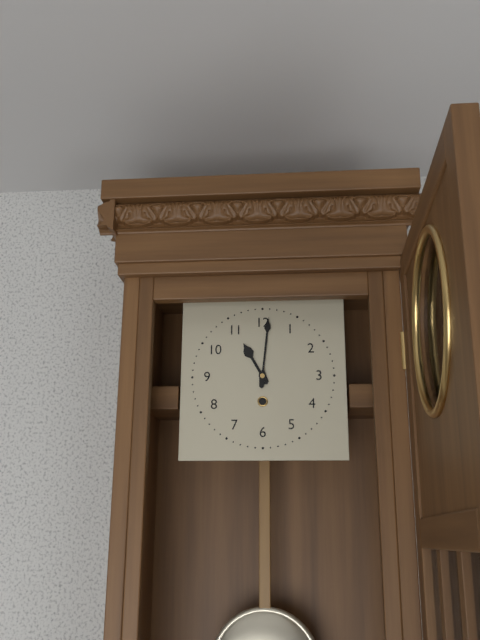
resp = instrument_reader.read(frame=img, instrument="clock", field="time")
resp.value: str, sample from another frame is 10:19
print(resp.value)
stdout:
11:01
